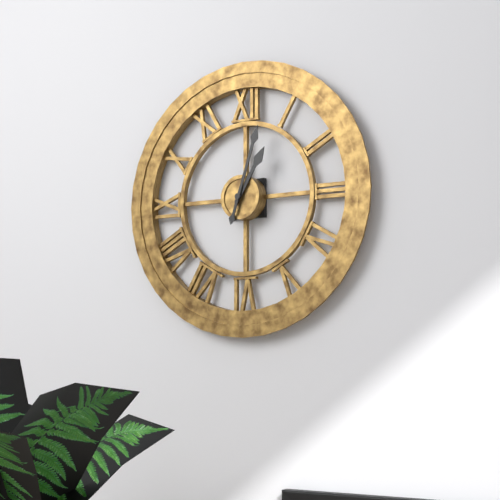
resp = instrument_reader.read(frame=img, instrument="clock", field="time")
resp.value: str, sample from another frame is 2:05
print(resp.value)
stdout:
1:03
